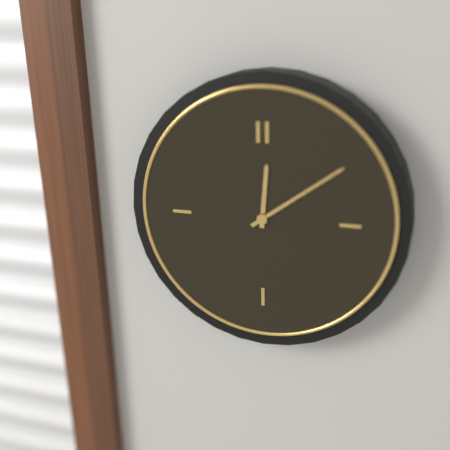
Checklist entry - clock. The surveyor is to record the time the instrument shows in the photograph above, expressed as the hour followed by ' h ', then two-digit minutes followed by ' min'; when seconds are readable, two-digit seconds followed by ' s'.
12 h 09 min
